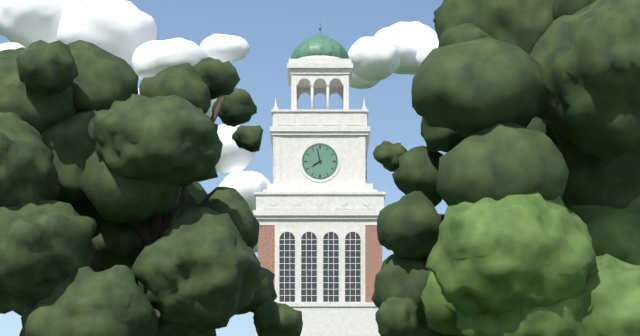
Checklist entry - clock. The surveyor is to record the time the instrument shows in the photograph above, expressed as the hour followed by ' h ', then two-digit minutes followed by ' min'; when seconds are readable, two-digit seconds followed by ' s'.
7 h 58 min
